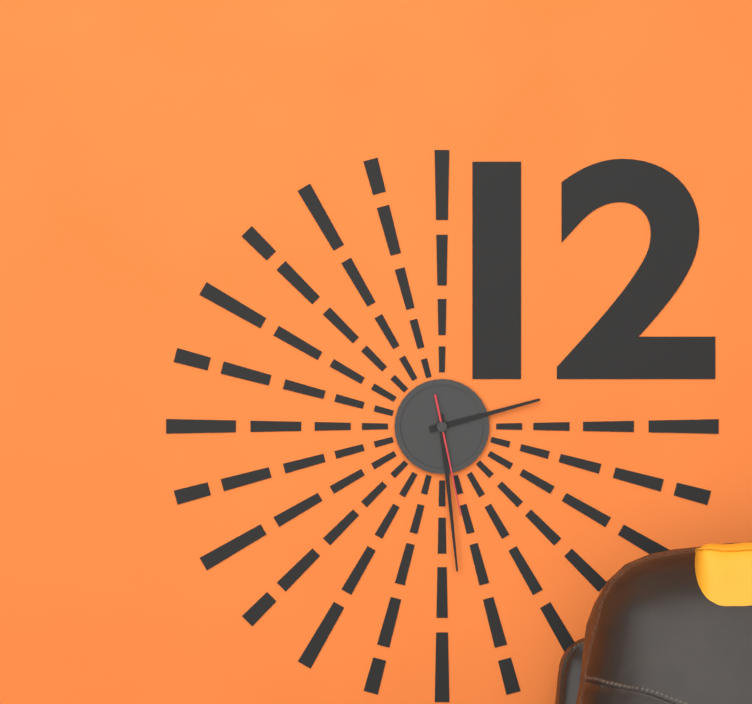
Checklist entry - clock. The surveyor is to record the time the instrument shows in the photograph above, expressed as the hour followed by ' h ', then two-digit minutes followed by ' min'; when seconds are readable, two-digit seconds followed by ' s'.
2 h 29 min 28 s
